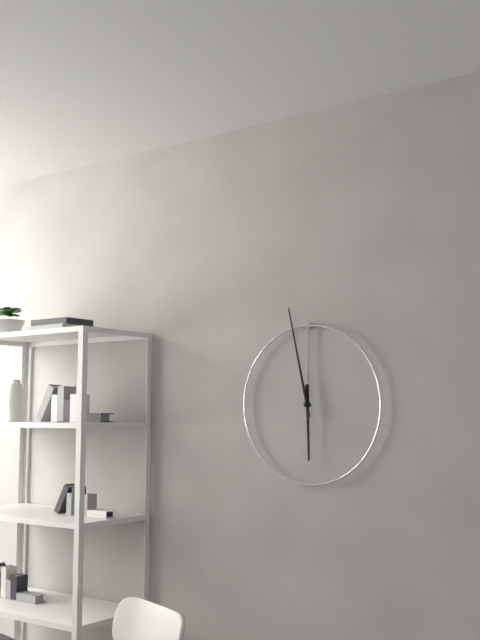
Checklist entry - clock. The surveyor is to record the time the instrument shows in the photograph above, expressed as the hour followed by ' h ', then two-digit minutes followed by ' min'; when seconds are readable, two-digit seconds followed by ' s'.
5 h 58 min
